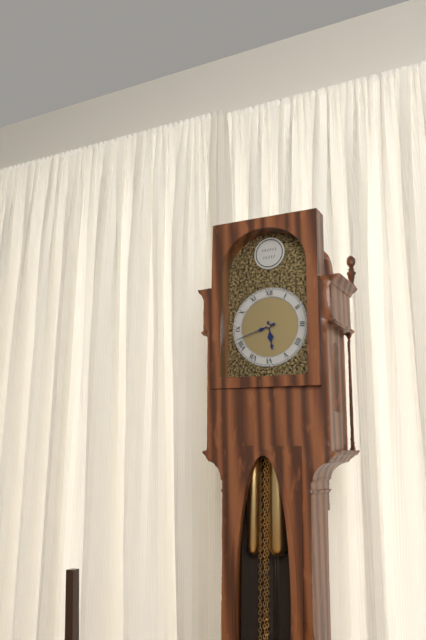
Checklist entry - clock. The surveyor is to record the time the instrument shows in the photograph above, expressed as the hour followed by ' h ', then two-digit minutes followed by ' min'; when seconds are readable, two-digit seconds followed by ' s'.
5 h 42 min
